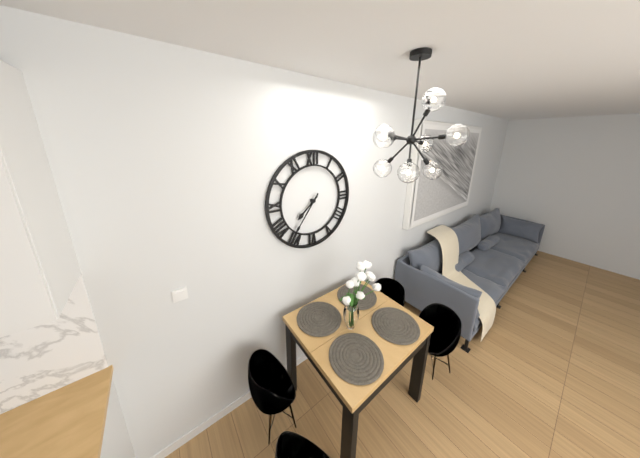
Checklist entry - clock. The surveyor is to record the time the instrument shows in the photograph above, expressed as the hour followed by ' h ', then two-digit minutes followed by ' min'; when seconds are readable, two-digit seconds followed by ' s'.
7 h 36 min
